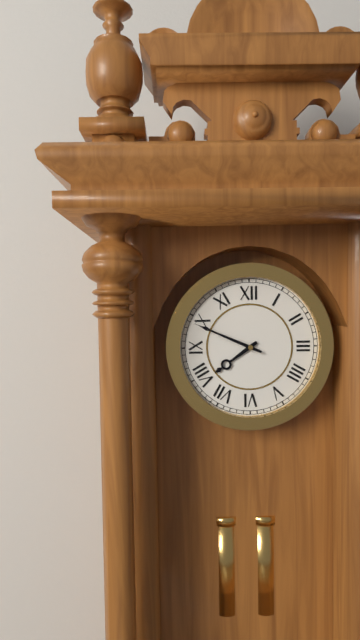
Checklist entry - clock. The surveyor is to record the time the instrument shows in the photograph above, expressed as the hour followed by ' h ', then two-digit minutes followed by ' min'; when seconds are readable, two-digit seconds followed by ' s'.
7 h 49 min
